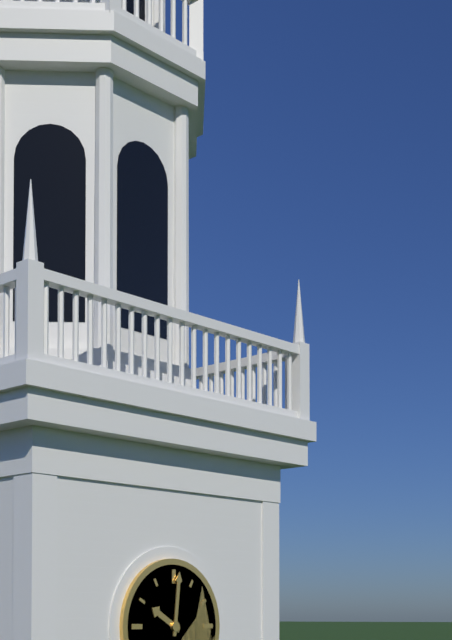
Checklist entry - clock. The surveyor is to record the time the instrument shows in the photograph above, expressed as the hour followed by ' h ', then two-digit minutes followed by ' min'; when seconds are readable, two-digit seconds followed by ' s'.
10 h 01 min
